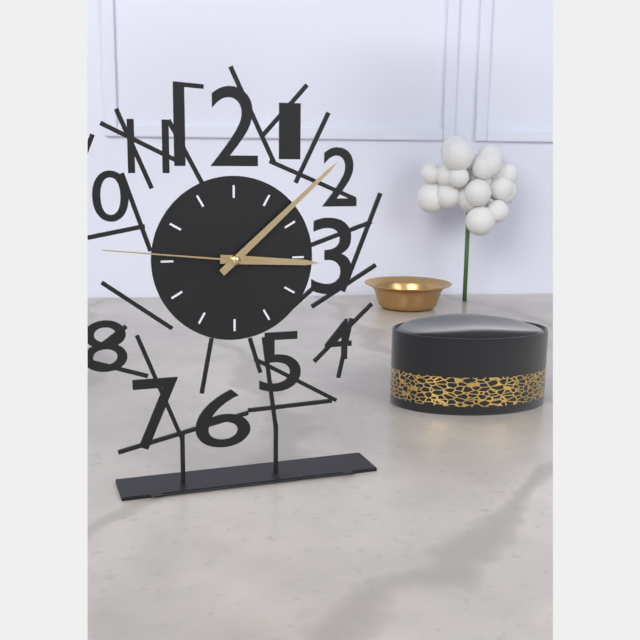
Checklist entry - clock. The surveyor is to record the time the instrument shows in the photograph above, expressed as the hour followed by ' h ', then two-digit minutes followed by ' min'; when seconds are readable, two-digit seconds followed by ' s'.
3 h 08 min 46 s
